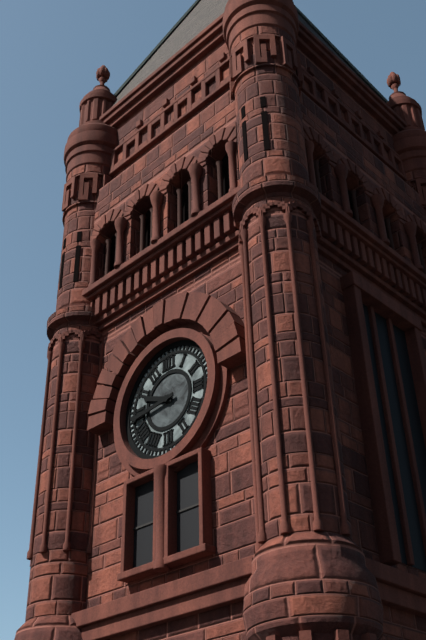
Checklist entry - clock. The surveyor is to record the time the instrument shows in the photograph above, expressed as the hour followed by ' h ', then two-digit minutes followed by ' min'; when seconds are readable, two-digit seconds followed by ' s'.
9 h 44 min
